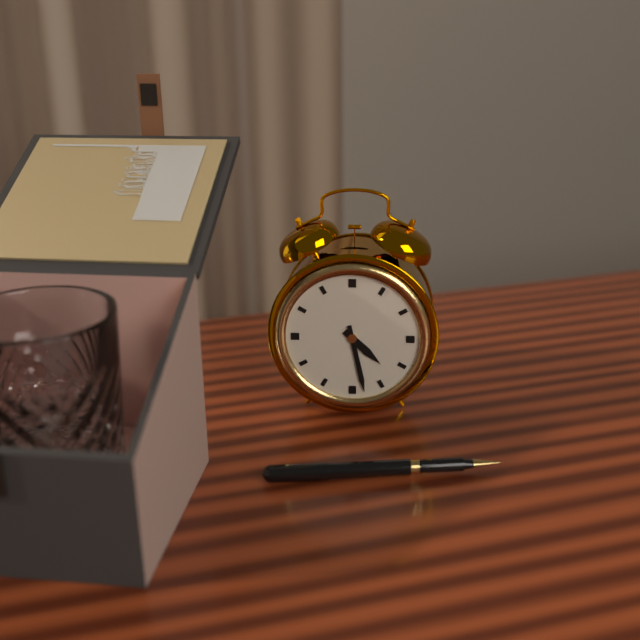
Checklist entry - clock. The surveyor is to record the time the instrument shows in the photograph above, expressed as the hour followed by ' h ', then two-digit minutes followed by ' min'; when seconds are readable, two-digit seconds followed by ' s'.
4 h 28 min
